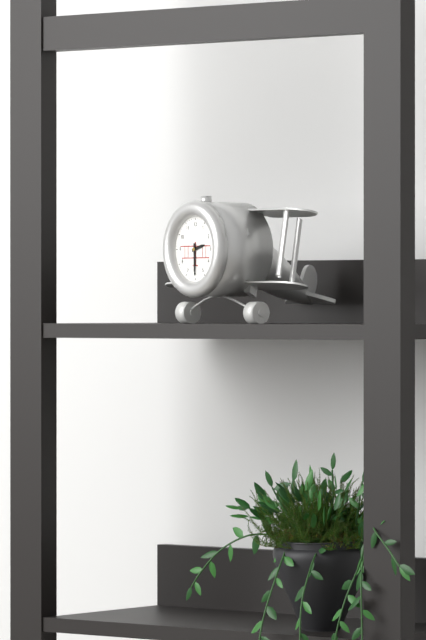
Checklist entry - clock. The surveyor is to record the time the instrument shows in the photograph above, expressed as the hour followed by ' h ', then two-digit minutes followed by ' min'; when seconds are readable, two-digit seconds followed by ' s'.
2 h 30 min
